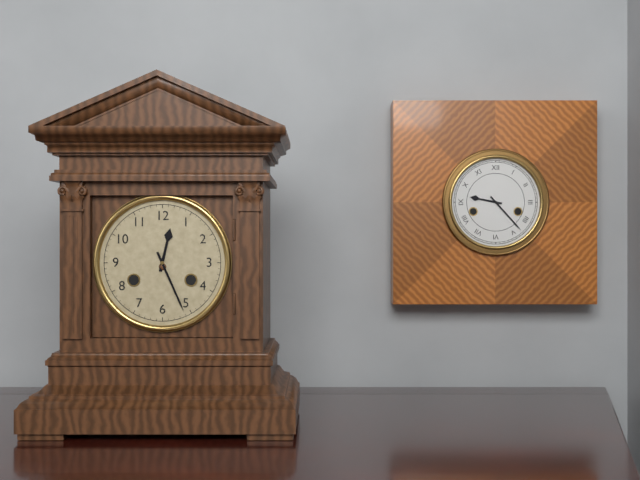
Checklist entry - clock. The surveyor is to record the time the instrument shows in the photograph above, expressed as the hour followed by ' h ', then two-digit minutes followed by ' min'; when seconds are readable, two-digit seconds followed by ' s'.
12 h 26 min
